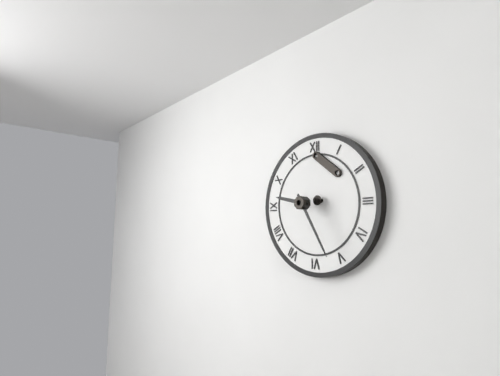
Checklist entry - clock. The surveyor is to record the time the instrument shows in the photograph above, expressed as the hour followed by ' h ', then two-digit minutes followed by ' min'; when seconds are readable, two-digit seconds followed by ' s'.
9 h 25 min
